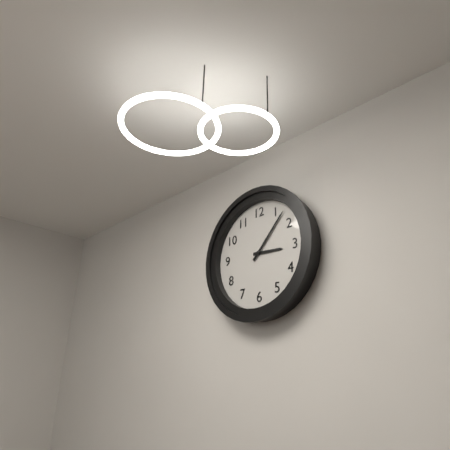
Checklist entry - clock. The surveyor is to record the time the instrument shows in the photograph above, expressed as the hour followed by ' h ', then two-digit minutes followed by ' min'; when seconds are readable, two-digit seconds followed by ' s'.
3 h 07 min
